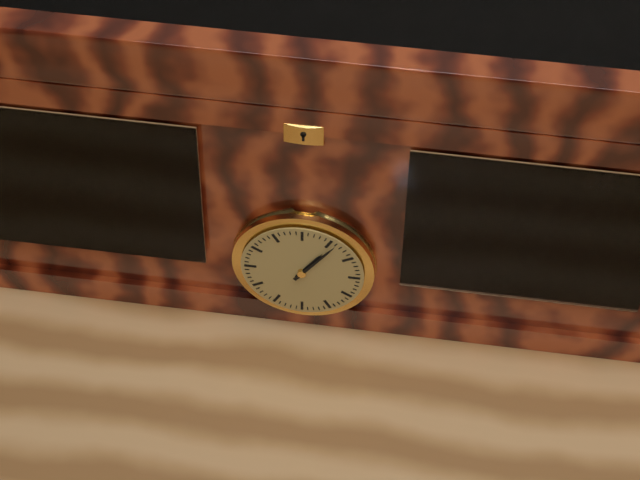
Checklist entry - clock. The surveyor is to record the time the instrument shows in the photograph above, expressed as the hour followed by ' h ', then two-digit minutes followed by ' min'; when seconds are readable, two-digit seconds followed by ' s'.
1 h 06 min
